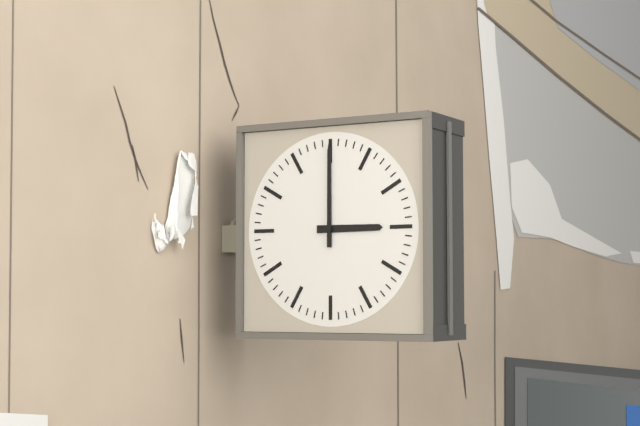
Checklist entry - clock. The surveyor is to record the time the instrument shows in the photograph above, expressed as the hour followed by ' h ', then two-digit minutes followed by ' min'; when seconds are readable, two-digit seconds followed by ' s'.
3 h 00 min
